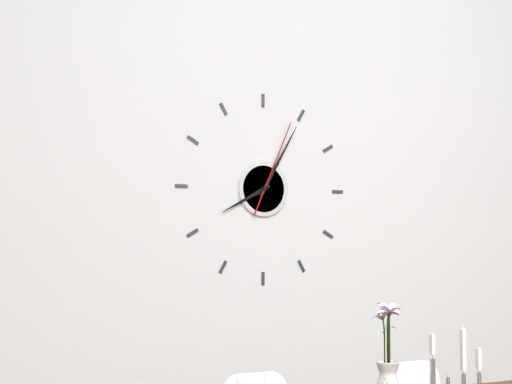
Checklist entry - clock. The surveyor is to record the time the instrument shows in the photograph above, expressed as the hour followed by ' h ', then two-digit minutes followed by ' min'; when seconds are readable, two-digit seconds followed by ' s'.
8 h 05 min 04 s
